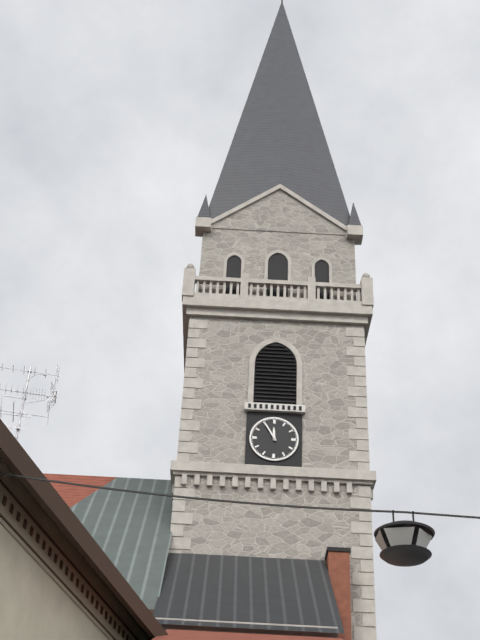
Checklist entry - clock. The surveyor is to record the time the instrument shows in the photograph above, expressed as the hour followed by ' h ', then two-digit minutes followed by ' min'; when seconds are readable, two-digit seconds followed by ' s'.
11 h 55 min
